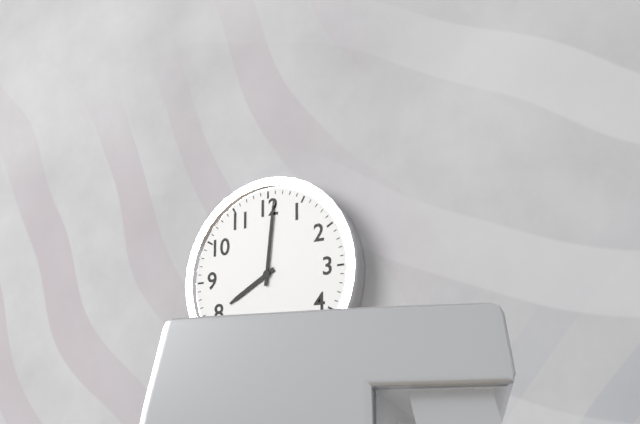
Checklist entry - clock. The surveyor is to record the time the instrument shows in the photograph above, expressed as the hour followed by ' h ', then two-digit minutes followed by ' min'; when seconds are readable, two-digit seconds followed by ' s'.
8 h 01 min
